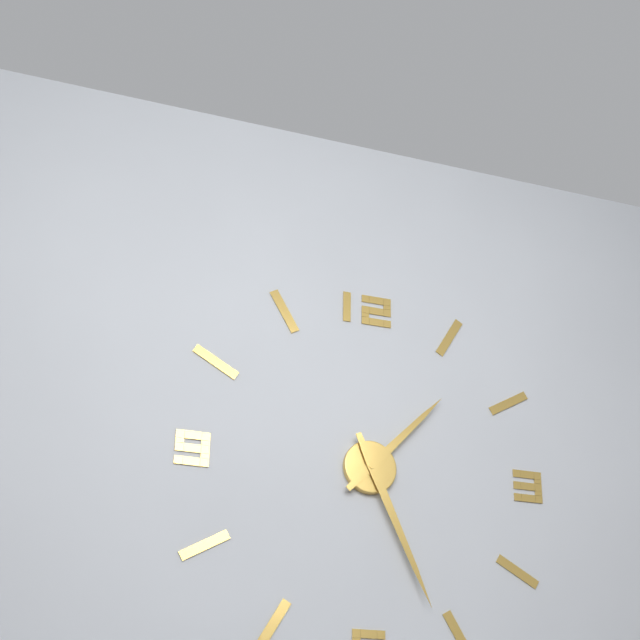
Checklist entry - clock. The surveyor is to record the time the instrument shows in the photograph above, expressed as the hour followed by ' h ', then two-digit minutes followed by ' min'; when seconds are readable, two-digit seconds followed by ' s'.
1 h 26 min
